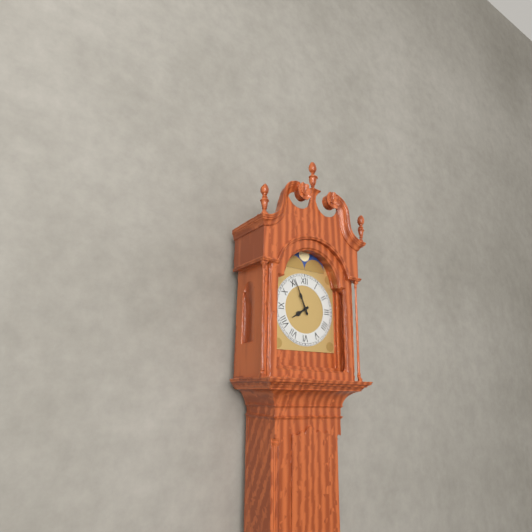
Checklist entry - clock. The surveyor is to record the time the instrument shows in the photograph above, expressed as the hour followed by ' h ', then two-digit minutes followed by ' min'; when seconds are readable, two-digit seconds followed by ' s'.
7 h 56 min
